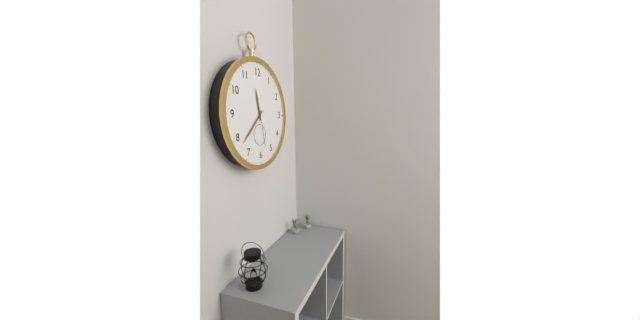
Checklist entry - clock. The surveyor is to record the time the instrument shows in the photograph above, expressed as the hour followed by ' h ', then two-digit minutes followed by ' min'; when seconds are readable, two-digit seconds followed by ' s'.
11 h 38 min
